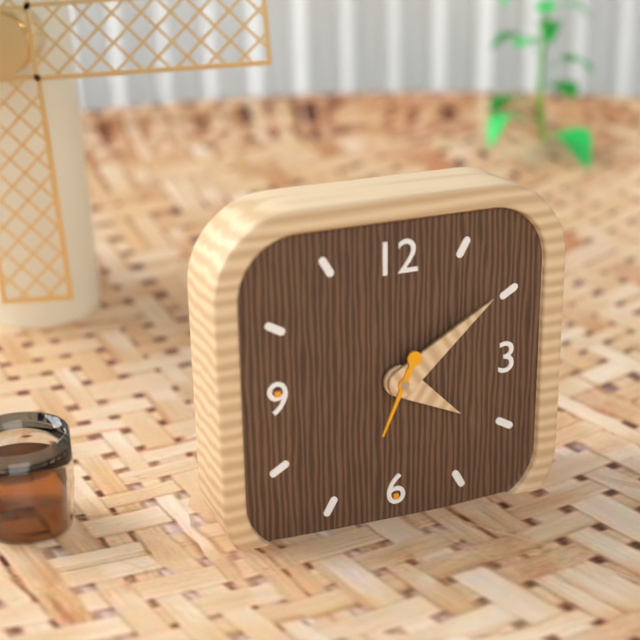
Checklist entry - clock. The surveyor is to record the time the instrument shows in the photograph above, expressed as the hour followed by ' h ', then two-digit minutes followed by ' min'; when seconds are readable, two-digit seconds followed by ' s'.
4 h 09 min 34 s
